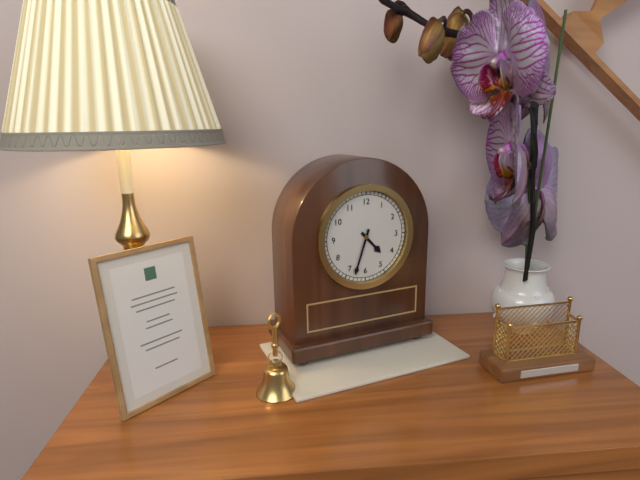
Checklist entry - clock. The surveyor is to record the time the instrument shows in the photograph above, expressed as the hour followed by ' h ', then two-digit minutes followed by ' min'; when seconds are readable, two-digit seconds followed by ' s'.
4 h 33 min
